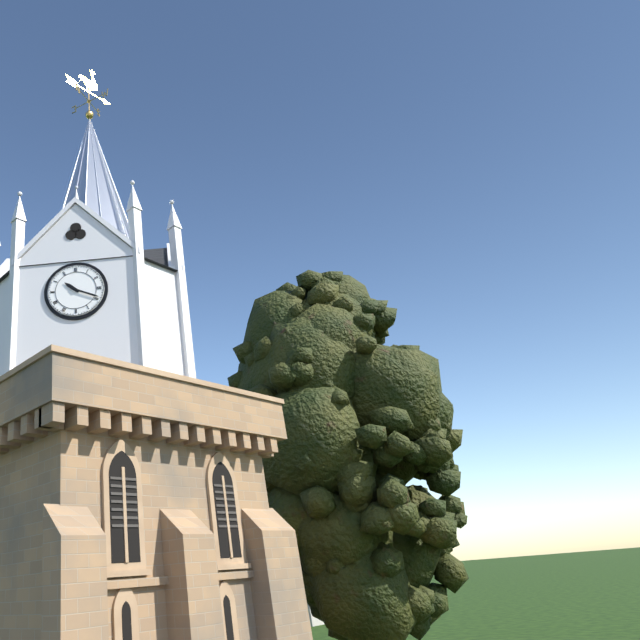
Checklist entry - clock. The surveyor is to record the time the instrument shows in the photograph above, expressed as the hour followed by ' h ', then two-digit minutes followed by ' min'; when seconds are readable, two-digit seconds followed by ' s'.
10 h 19 min
